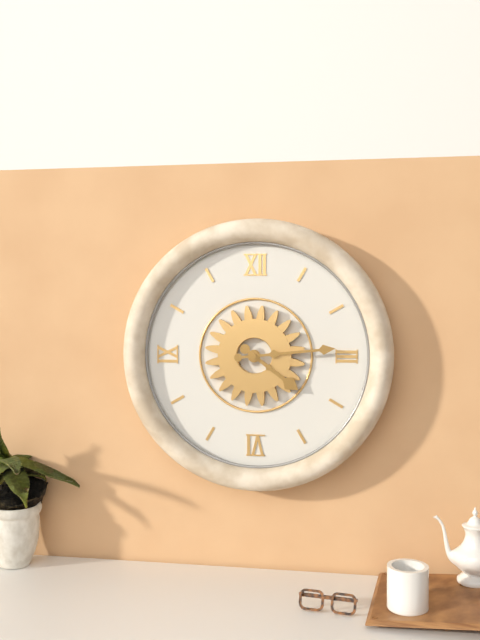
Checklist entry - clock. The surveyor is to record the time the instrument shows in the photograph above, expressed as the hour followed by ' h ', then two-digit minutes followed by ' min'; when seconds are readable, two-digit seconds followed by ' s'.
4 h 14 min
